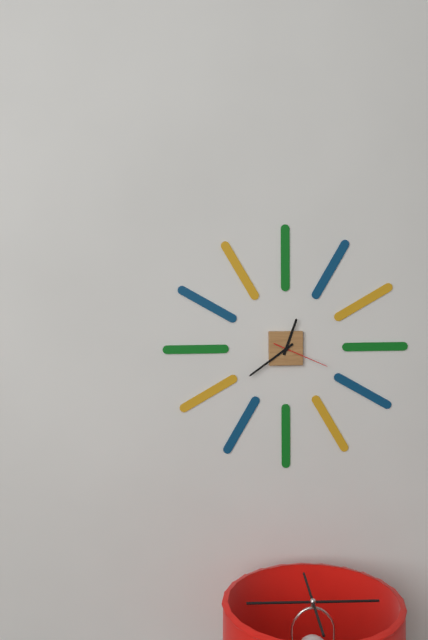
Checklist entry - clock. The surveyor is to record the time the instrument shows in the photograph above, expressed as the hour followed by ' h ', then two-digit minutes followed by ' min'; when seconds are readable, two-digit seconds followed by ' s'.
12 h 39 min 19 s
